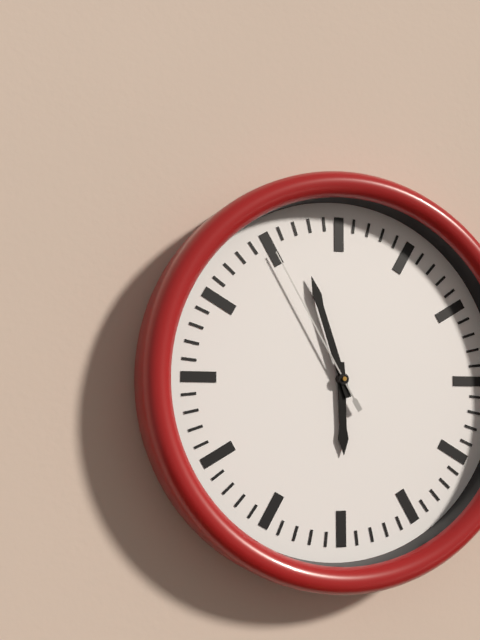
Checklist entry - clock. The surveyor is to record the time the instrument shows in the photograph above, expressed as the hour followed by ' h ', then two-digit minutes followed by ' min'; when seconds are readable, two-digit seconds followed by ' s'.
5 h 57 min 55 s
